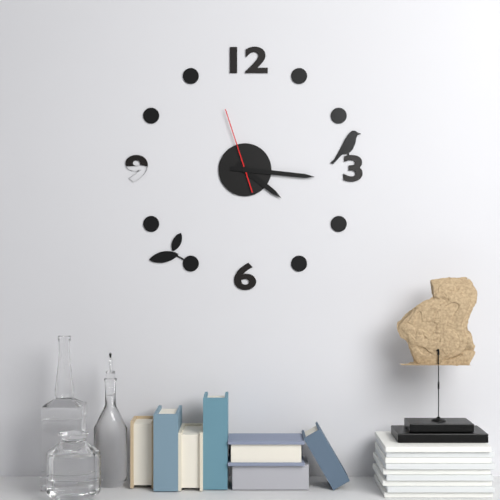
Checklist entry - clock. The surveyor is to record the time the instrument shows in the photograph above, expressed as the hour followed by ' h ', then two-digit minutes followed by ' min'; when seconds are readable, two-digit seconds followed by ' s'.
4 h 16 min 57 s
